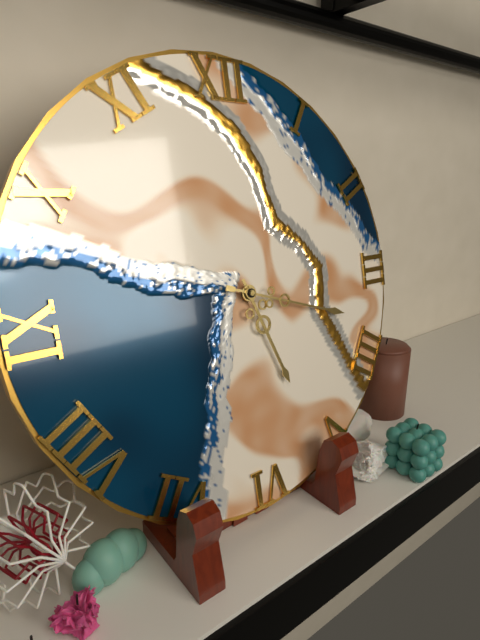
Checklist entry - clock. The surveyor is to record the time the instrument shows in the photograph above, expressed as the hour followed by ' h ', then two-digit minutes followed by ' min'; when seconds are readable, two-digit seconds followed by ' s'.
5 h 18 min
